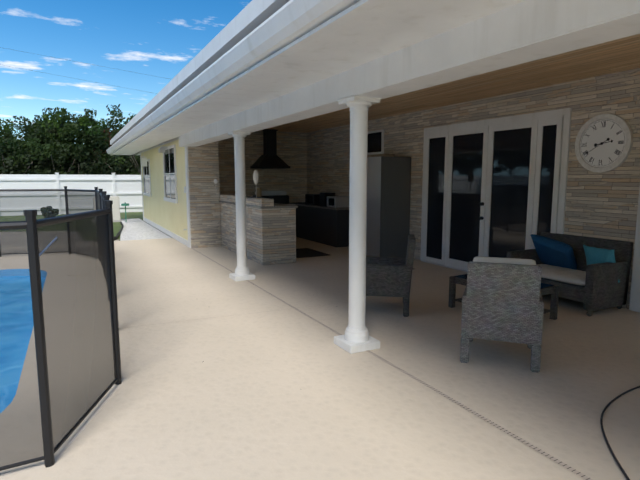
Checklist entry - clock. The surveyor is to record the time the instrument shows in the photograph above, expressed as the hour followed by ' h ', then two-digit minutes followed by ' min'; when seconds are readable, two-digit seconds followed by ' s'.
2 h 40 min
